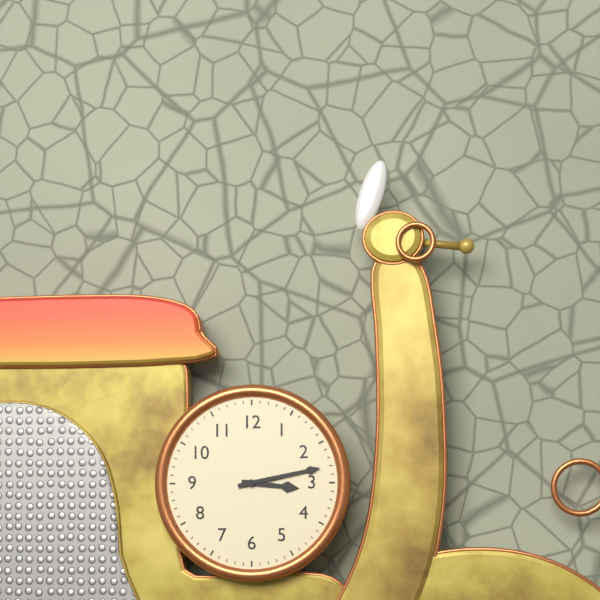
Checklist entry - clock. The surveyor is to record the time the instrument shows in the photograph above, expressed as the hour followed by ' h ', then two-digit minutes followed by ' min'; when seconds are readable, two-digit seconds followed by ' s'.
3 h 13 min
